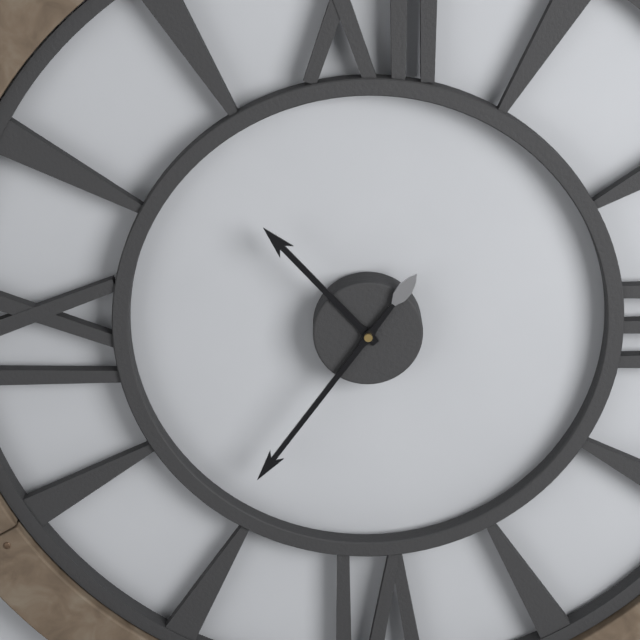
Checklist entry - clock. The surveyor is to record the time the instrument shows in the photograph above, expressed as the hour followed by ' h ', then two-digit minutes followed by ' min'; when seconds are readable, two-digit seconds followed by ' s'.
10 h 36 min
